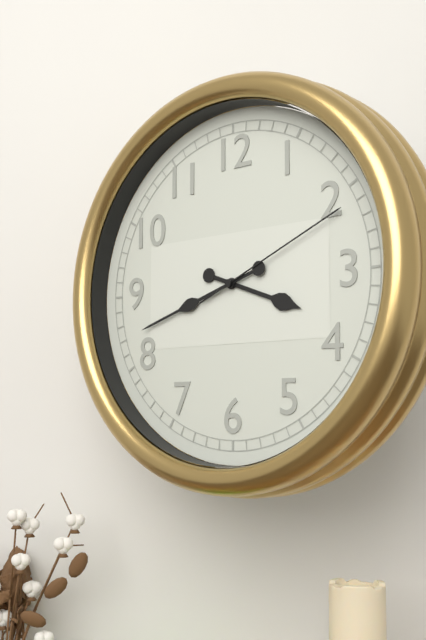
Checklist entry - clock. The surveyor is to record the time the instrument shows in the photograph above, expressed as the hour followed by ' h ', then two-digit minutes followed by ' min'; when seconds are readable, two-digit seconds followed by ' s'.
3 h 42 min 11 s
